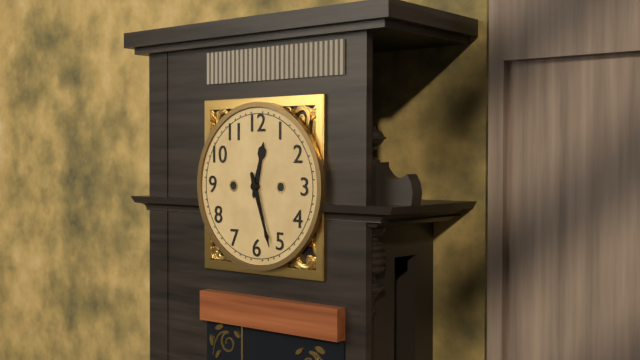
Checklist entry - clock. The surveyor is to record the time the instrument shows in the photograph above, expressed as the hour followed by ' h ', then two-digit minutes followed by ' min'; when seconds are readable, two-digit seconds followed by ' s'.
12 h 27 min
